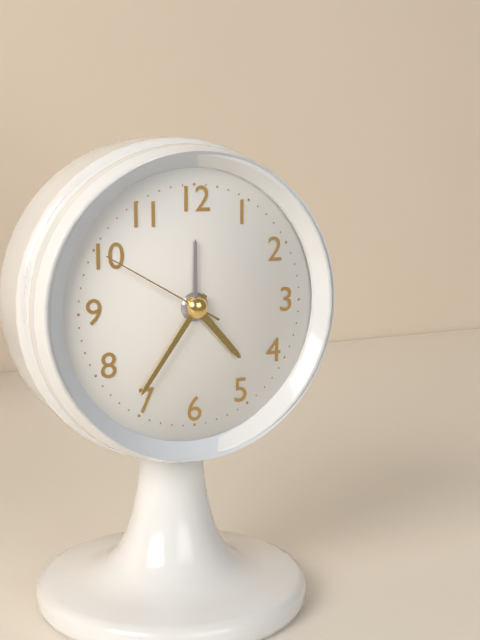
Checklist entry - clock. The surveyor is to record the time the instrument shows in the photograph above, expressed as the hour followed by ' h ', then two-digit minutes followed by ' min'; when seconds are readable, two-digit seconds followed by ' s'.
4 h 36 min 50 s
